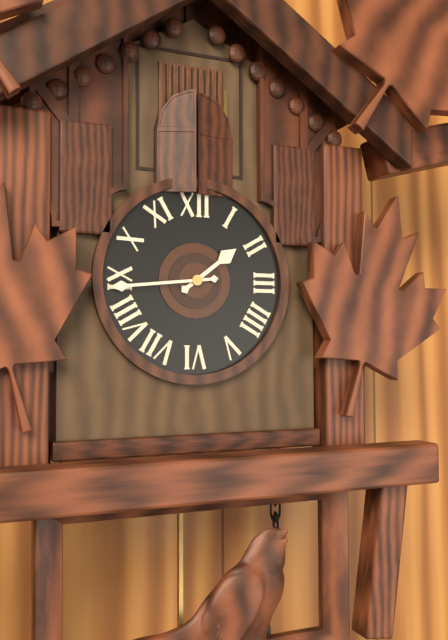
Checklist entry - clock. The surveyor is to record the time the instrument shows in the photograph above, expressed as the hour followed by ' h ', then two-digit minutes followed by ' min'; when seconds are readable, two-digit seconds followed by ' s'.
1 h 44 min
